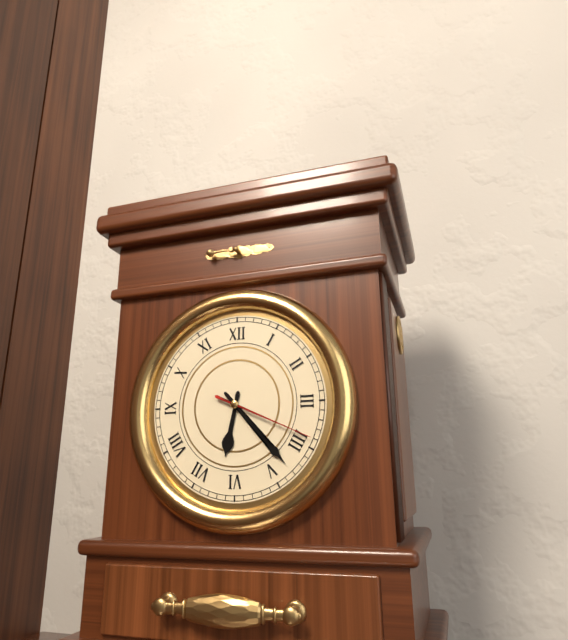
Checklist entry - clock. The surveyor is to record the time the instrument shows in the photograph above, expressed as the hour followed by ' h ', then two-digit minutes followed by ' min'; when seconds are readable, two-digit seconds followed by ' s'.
6 h 23 min 19 s
